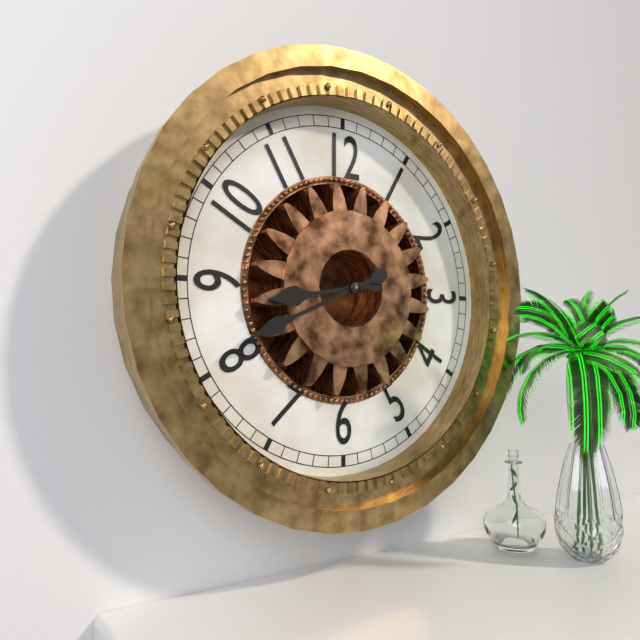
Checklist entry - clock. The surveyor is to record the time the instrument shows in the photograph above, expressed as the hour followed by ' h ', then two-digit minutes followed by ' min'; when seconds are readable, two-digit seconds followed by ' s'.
8 h 41 min
